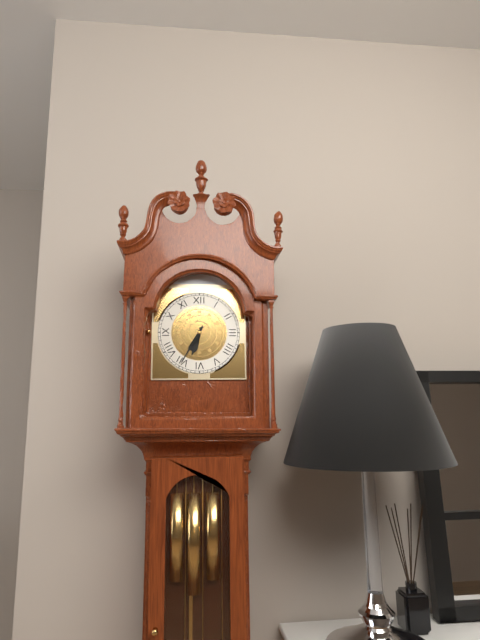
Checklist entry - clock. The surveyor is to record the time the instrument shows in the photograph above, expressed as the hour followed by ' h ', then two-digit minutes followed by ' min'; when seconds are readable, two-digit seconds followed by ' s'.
6 h 35 min
